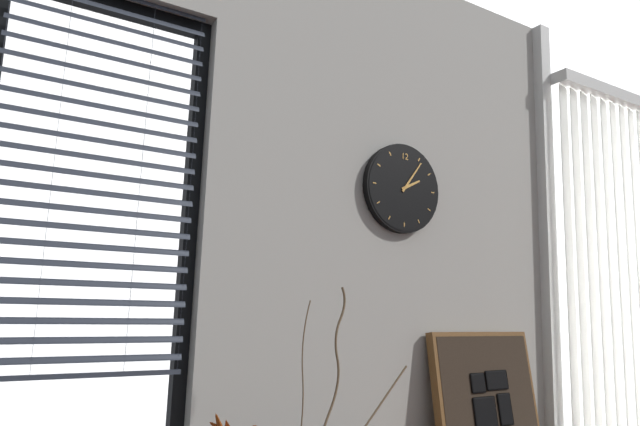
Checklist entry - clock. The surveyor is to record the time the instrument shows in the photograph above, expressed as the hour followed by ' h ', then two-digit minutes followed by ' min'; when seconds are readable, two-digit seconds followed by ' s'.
2 h 06 min
